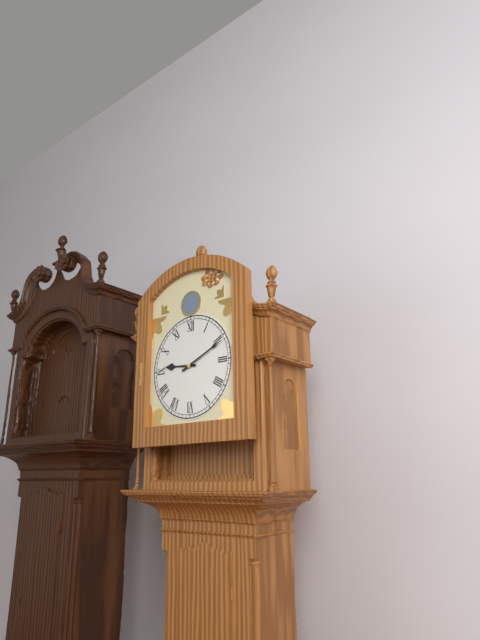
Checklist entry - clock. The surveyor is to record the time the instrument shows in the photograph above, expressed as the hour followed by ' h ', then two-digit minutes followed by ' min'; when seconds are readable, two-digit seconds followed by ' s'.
9 h 11 min
